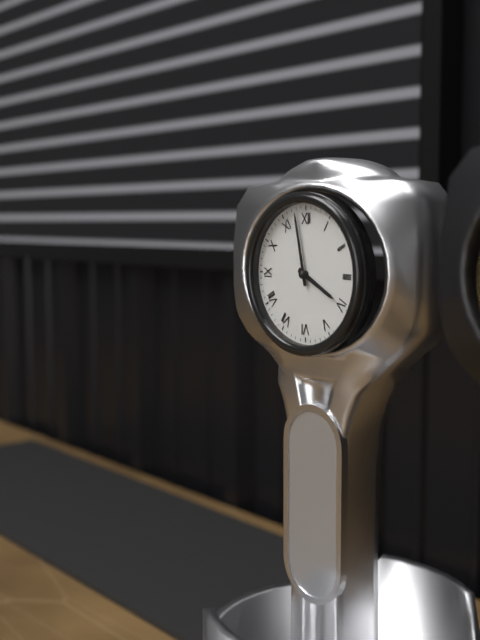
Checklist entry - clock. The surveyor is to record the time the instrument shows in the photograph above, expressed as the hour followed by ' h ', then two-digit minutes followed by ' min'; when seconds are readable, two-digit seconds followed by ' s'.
3 h 58 min
